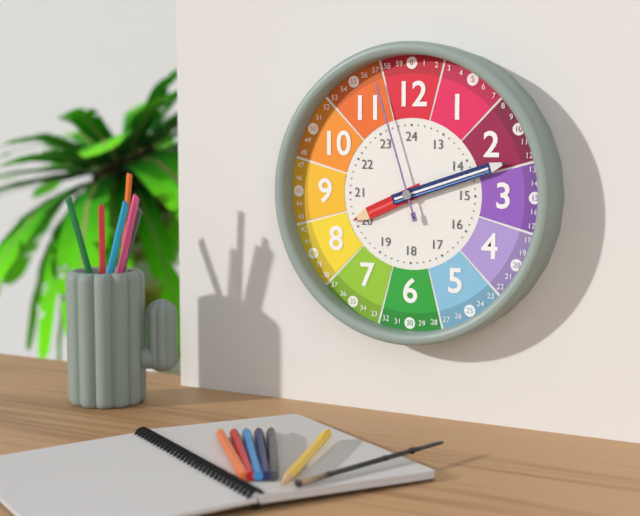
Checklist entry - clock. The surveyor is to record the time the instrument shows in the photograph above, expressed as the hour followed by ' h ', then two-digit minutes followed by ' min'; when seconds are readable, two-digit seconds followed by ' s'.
8 h 12 min 57 s
